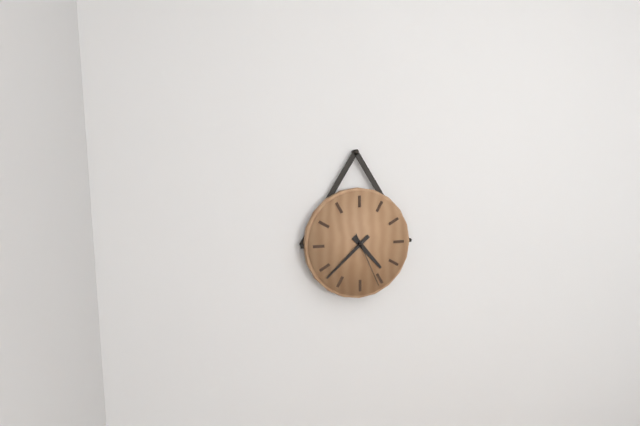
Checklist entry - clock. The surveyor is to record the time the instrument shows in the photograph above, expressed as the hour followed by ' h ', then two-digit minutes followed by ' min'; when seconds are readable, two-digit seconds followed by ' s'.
4 h 38 min 26 s
